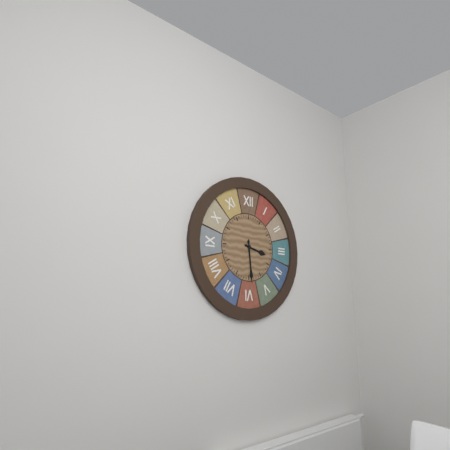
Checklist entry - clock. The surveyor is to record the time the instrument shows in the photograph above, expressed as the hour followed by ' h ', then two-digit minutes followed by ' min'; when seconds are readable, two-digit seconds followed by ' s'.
3 h 29 min
